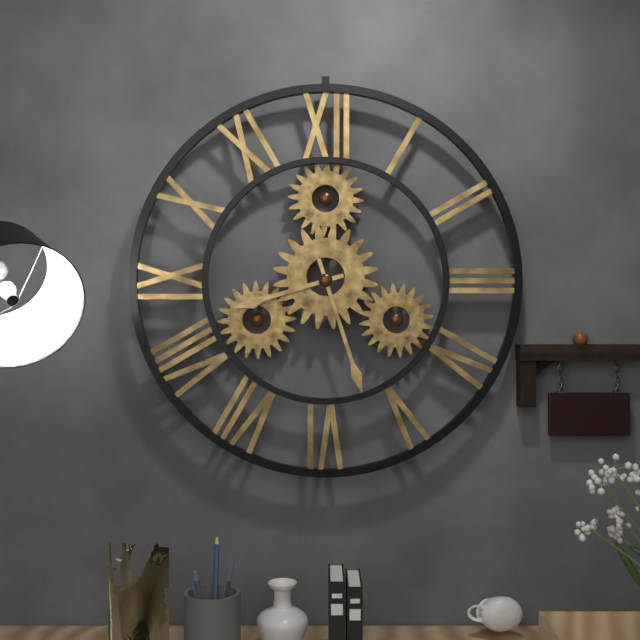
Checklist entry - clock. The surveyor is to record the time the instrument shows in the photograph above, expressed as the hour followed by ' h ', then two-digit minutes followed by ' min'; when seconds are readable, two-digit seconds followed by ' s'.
8 h 27 min
